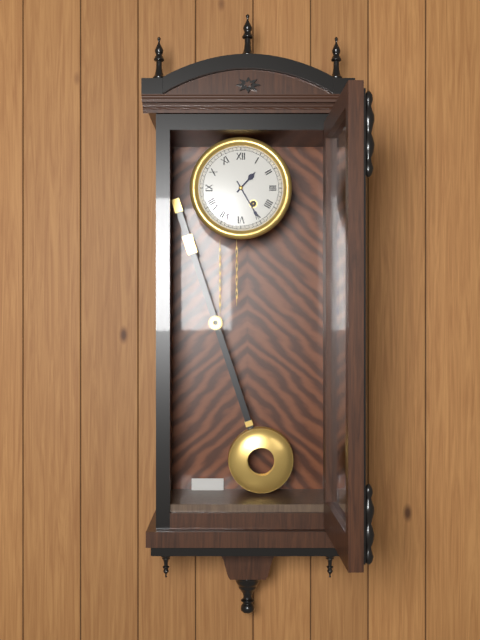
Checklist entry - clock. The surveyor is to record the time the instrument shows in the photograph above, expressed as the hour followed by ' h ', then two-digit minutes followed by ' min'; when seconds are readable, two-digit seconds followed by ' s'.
1 h 25 min
